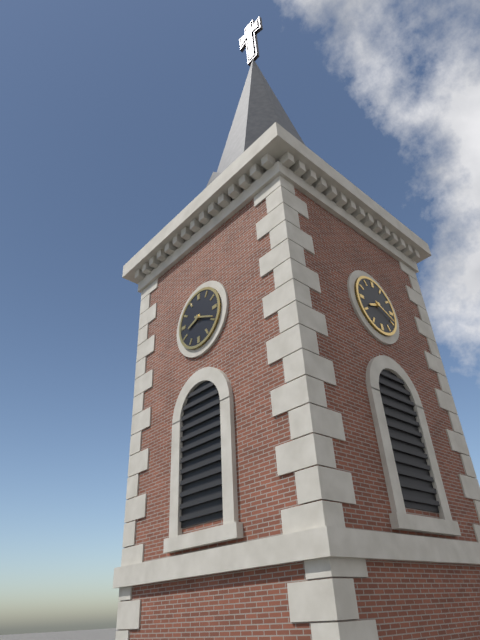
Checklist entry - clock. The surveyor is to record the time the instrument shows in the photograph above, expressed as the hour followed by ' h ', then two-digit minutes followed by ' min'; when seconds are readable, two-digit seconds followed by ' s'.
8 h 19 min
